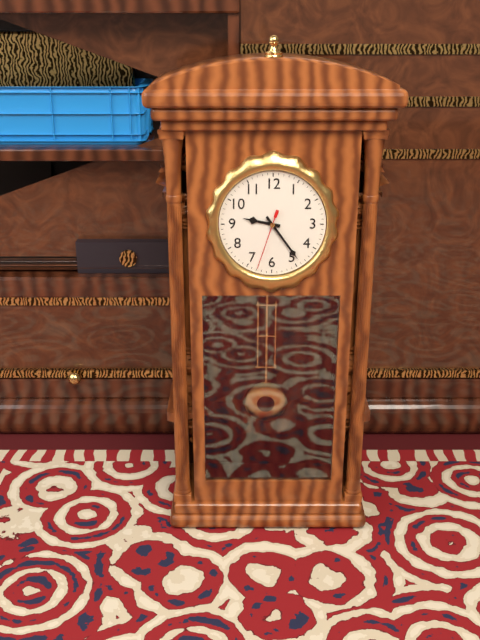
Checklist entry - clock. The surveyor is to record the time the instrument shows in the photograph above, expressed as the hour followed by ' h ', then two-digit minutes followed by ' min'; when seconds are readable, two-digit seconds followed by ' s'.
9 h 24 min 33 s
